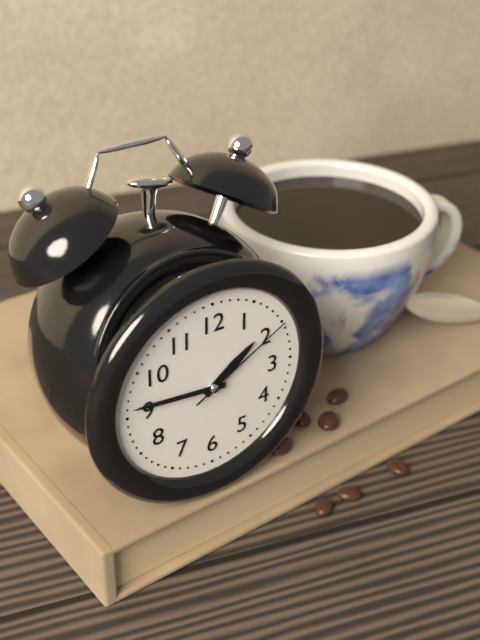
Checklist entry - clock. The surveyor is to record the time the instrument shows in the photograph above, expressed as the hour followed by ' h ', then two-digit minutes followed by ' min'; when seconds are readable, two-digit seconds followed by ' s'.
1 h 46 min 10 s
